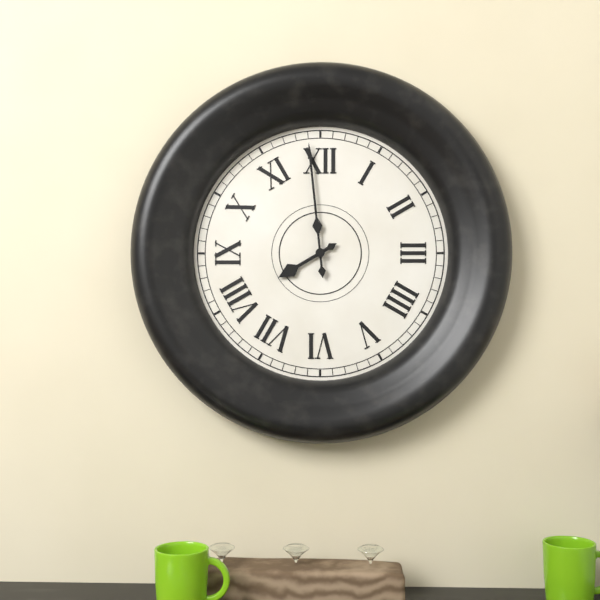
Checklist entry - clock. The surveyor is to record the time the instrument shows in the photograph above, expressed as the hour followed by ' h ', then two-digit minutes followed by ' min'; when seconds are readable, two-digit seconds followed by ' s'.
7 h 59 min
